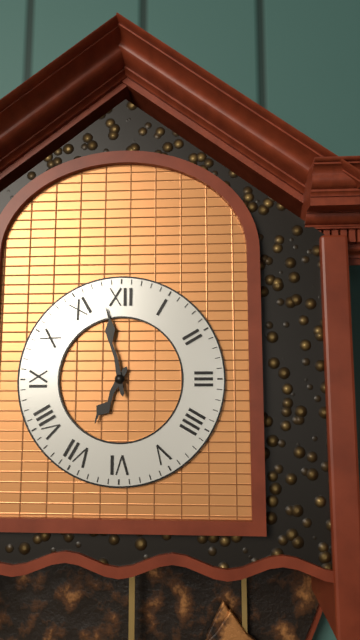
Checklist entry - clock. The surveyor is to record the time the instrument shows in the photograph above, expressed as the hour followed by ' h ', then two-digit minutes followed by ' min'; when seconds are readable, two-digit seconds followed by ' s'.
6 h 58 min
